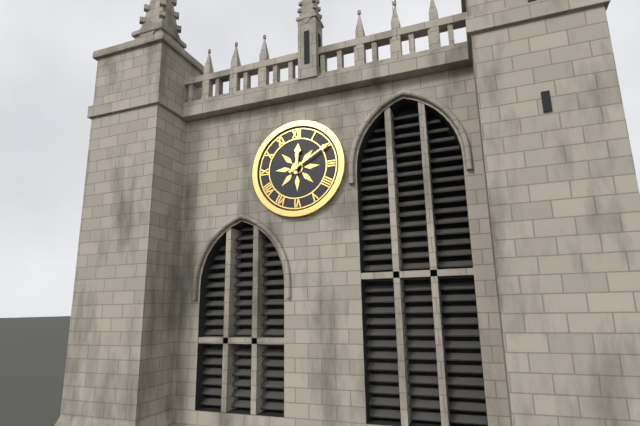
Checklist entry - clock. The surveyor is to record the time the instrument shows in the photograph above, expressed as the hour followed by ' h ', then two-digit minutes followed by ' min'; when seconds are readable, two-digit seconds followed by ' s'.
12 h 10 min
